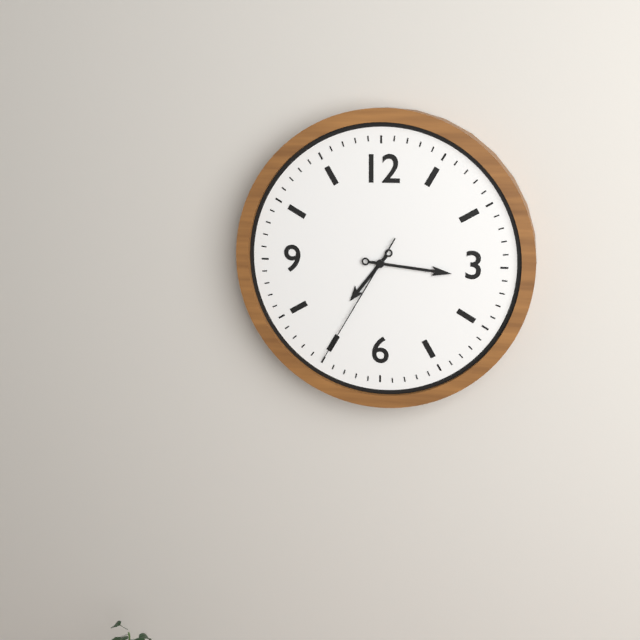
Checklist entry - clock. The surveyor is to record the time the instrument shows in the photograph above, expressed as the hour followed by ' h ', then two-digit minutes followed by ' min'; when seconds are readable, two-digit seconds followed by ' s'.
7 h 16 min 35 s
